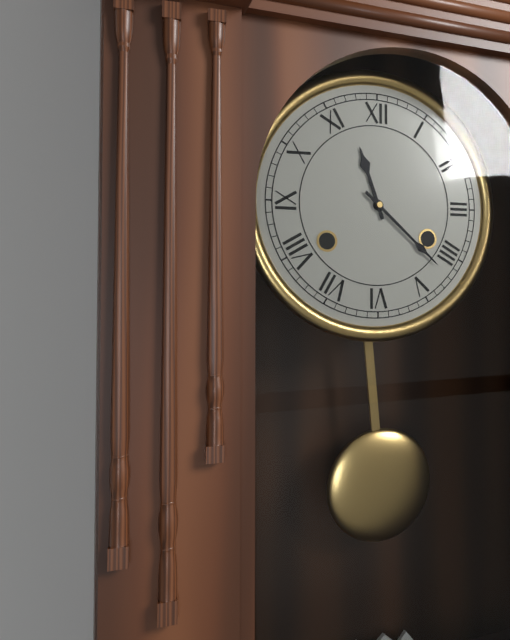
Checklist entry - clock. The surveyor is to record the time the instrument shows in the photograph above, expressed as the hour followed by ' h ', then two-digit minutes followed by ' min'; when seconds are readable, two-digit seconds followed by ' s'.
11 h 22 min
